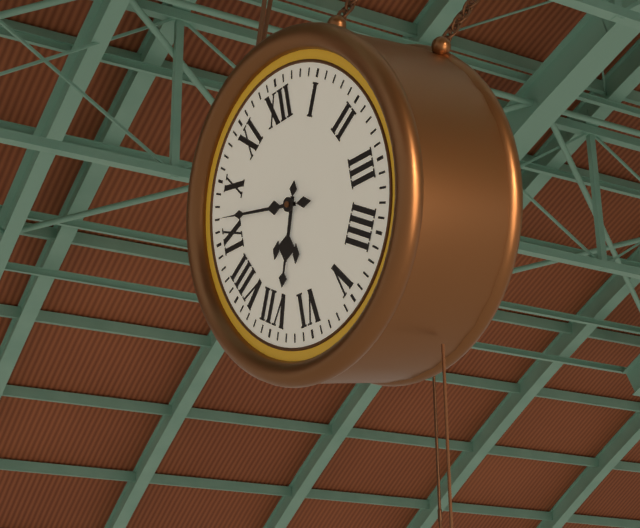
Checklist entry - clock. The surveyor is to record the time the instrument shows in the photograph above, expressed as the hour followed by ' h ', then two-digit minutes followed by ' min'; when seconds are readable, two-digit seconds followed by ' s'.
6 h 47 min
